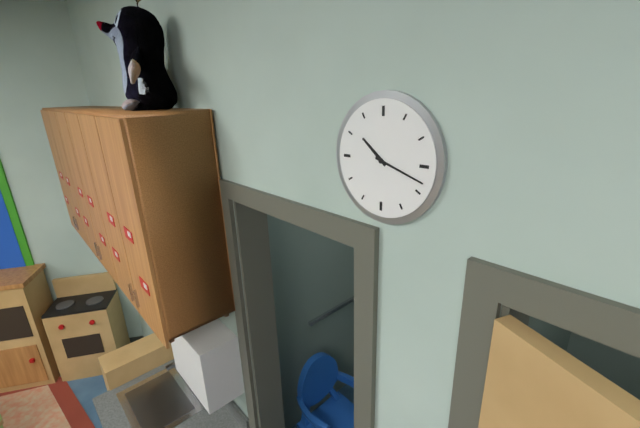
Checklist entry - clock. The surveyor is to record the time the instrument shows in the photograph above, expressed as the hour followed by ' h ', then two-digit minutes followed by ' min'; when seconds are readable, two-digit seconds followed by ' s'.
10 h 18 min
